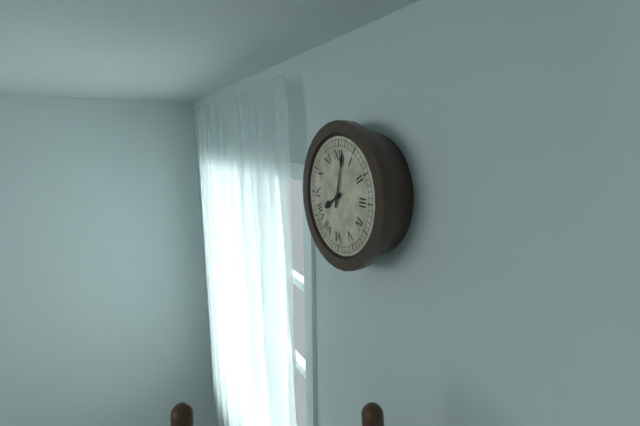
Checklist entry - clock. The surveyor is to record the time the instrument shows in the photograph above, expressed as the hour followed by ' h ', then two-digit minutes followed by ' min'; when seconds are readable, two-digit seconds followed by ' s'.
8 h 02 min
